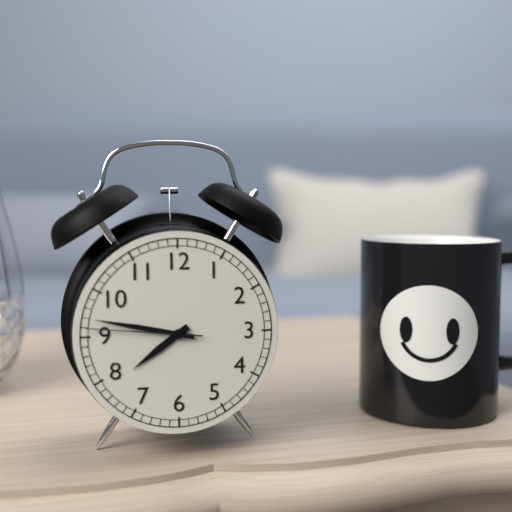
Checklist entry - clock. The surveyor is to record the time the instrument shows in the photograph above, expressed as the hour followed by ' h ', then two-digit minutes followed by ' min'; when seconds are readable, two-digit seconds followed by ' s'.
7 h 47 min 46 s
